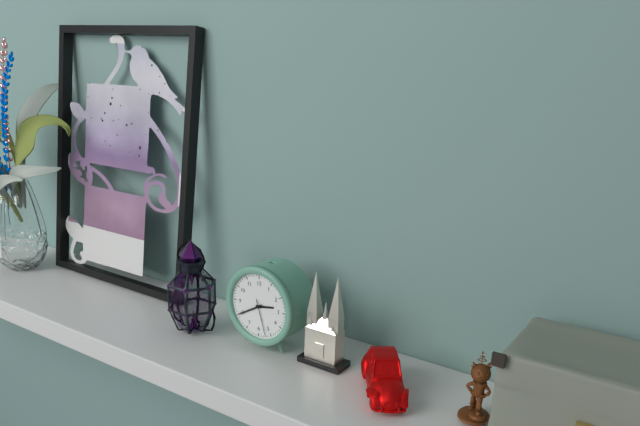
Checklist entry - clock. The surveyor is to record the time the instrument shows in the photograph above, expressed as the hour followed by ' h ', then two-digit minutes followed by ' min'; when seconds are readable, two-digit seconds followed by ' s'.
2 h 40 min
